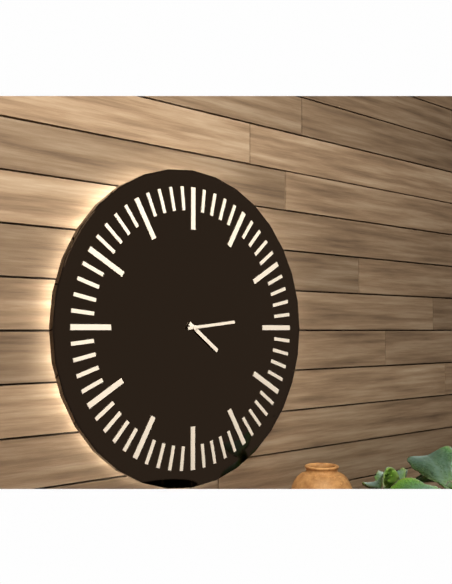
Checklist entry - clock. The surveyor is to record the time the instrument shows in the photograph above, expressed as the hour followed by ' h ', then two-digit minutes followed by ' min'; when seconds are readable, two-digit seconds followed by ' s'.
4 h 14 min
